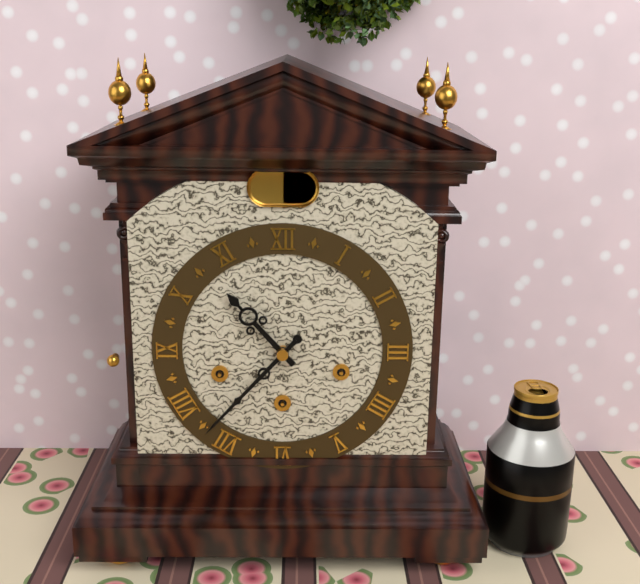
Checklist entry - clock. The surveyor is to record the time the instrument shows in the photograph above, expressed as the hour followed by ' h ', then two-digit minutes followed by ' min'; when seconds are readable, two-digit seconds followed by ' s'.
10 h 37 min
